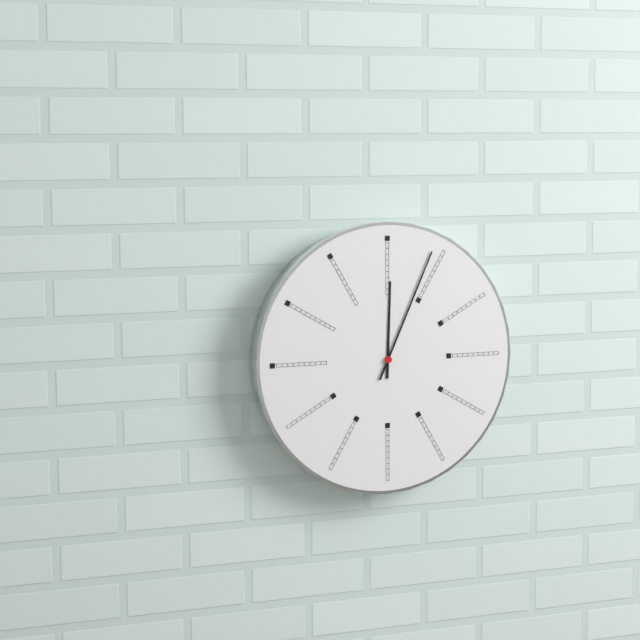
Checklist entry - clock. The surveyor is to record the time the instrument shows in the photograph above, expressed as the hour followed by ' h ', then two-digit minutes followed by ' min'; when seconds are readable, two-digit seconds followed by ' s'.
12 h 04 min
